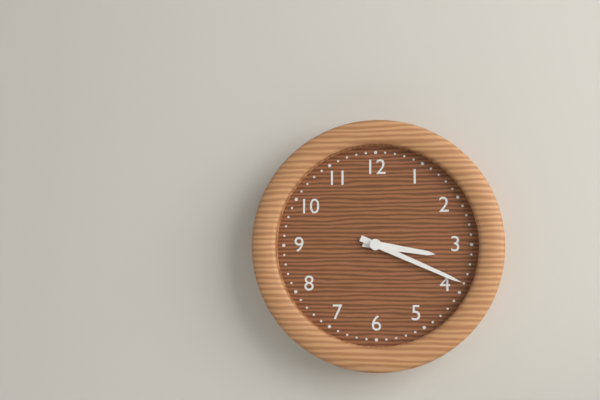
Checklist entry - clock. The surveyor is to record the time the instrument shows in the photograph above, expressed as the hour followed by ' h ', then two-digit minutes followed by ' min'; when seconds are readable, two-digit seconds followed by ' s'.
3 h 19 min
